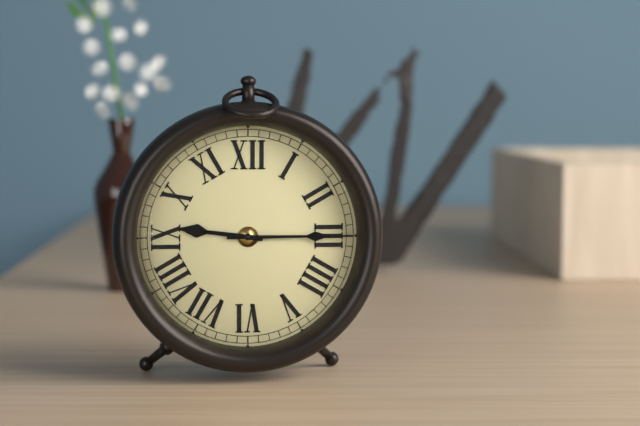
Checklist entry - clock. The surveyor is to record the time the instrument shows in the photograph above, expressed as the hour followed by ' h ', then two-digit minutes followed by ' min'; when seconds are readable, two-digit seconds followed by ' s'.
9 h 15 min
